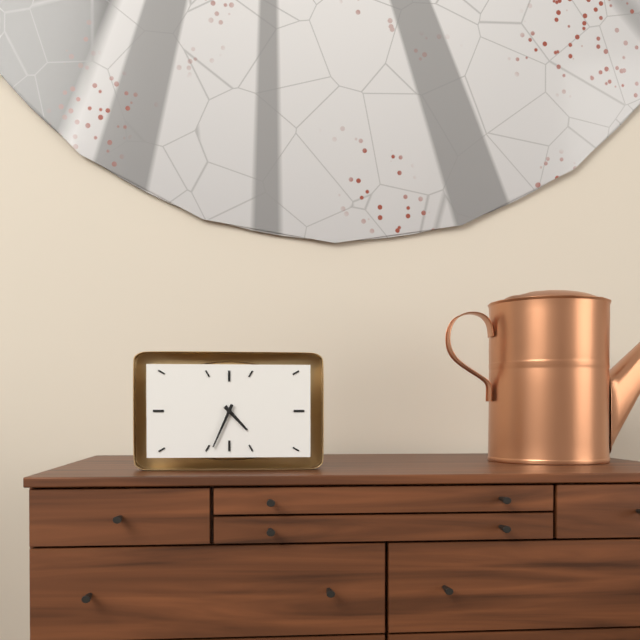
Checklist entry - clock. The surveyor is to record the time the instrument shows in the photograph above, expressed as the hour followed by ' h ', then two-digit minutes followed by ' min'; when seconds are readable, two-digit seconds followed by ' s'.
4 h 34 min
